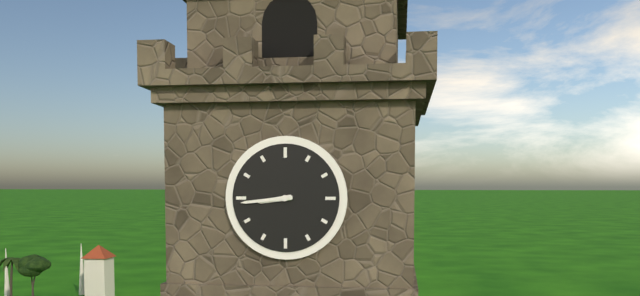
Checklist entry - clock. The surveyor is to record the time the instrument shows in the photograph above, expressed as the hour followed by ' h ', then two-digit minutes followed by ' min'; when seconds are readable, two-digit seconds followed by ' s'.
8 h 44 min
